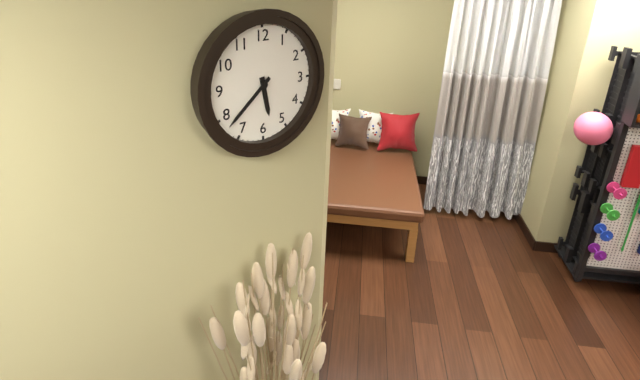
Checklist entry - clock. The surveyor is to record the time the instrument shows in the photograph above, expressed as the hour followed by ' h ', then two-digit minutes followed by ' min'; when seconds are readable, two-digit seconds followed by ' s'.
5 h 38 min
